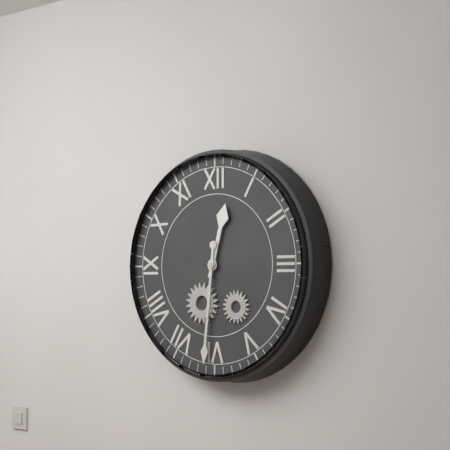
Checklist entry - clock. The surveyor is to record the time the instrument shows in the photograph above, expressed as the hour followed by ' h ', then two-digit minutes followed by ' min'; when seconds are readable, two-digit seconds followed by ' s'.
12 h 31 min
